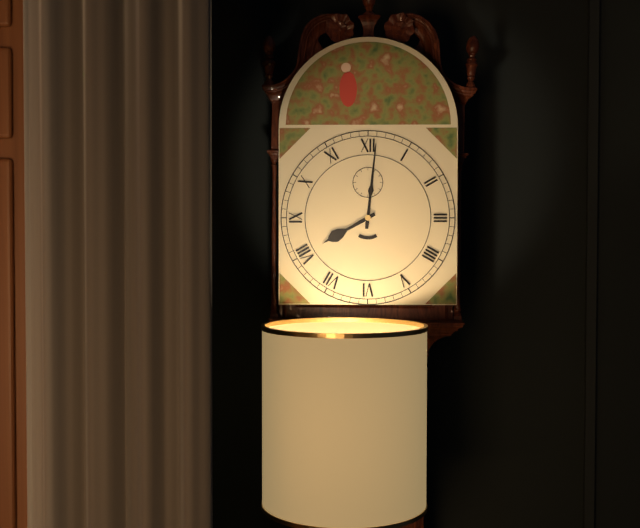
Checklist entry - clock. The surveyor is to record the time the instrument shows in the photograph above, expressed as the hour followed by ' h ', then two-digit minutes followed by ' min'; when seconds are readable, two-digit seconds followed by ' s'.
8 h 01 min
